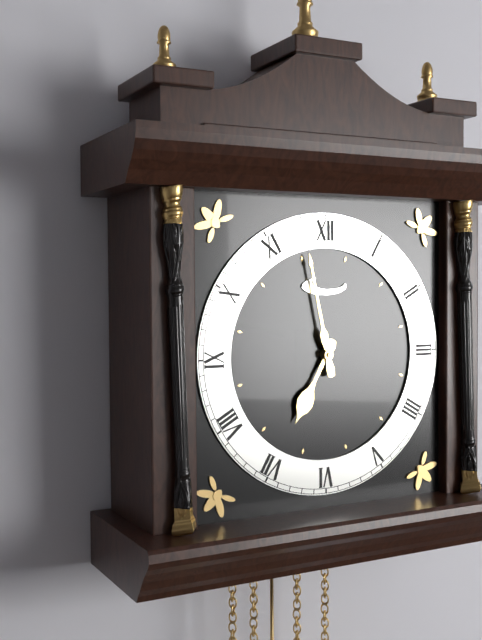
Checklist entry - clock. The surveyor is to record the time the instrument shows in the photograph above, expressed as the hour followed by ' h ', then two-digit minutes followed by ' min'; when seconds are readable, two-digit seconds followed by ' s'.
6 h 58 min
